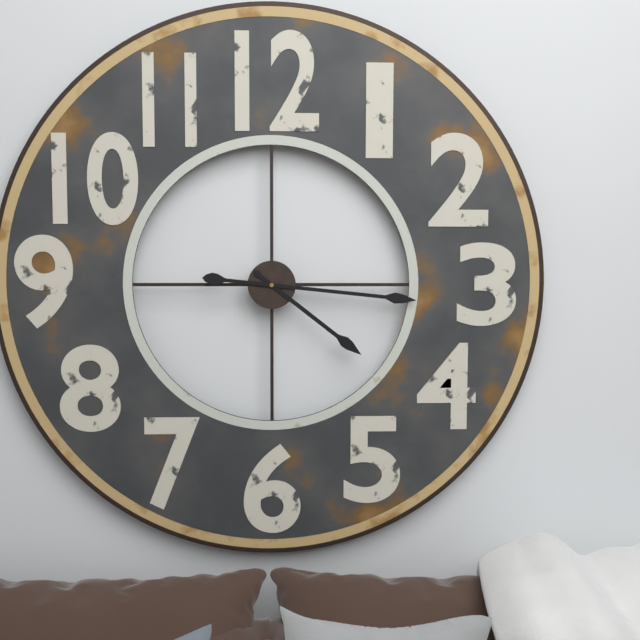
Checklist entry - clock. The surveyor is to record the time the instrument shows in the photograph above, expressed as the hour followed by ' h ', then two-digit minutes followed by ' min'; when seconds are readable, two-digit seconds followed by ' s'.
4 h 16 min
